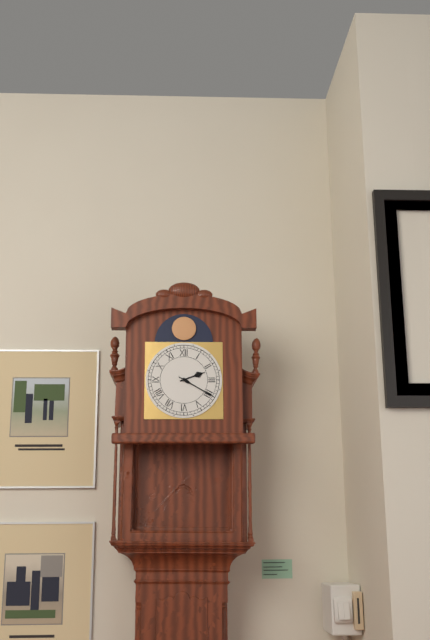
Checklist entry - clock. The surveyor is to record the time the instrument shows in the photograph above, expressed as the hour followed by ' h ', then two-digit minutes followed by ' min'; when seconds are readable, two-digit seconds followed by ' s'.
2 h 20 min
